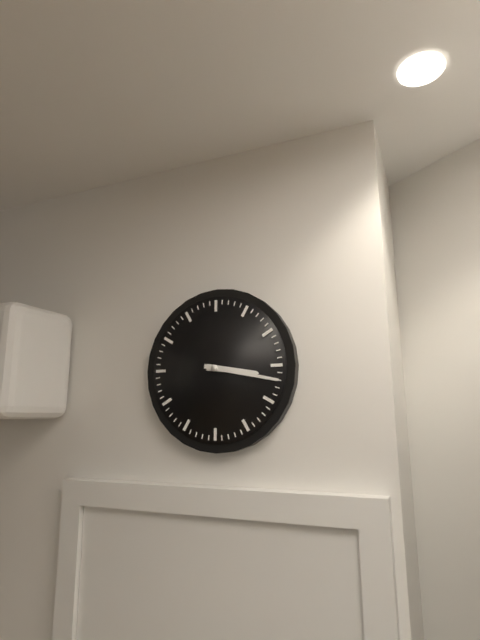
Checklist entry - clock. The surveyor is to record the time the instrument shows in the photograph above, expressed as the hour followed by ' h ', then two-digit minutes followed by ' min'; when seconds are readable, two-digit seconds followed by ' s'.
3 h 17 min
